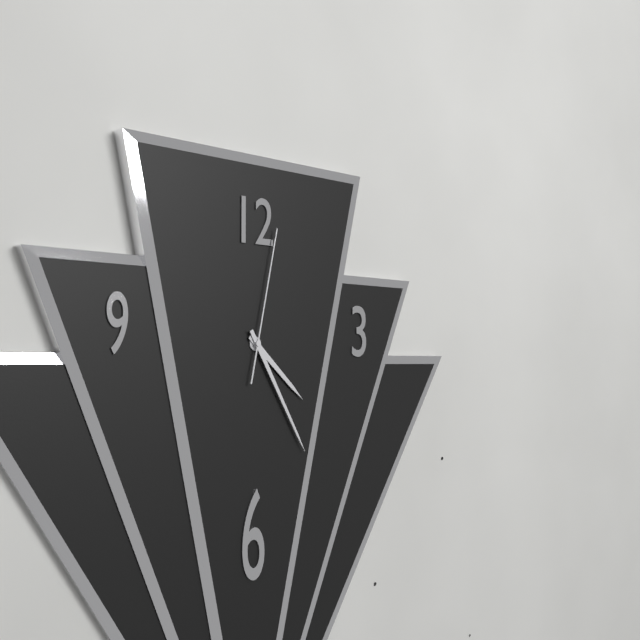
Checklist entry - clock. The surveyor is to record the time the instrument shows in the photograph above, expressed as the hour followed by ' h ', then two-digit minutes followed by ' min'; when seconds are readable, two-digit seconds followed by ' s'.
4 h 25 min 02 s
